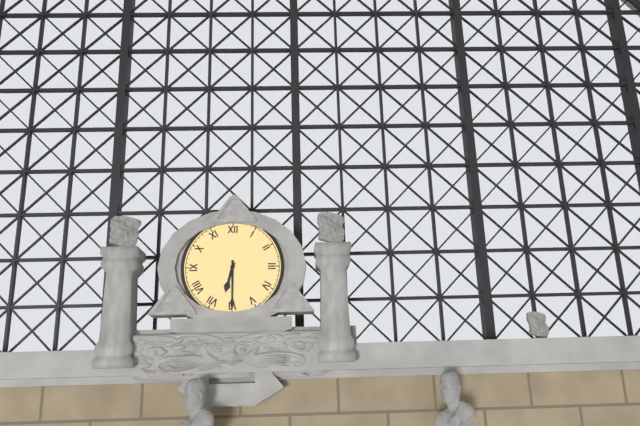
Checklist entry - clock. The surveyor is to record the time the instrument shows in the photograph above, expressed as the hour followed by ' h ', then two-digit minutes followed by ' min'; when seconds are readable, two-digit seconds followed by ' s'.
6 h 30 min
